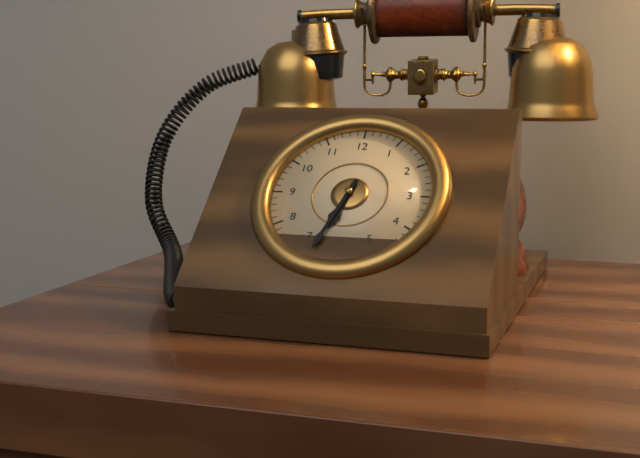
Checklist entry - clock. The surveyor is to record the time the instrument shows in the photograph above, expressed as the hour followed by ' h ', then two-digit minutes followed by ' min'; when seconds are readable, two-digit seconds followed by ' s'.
6 h 33 min
